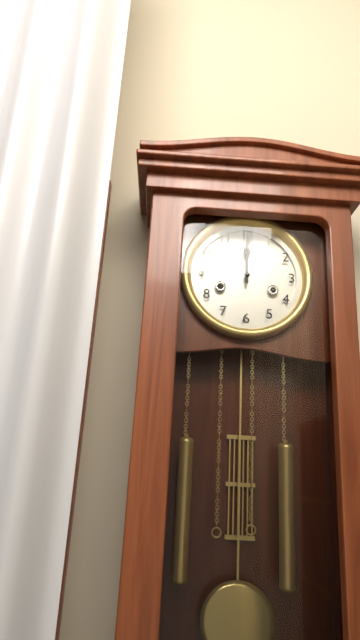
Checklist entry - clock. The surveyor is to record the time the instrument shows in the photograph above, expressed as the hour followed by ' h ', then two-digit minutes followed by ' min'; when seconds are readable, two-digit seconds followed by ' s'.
12 h 00 min
